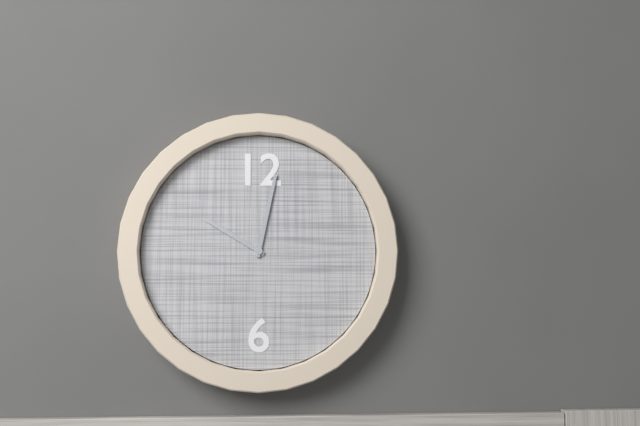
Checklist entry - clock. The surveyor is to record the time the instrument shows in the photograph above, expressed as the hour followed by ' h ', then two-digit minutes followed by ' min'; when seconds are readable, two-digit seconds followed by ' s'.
10 h 02 min
